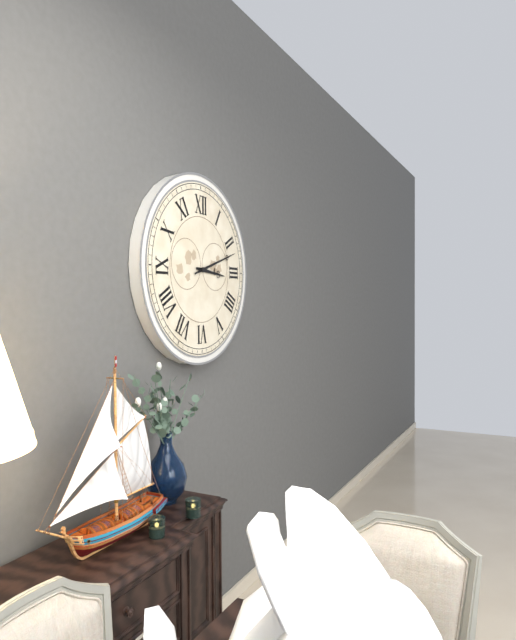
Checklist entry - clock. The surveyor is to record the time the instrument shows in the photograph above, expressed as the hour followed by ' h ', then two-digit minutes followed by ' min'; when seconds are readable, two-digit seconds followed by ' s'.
3 h 12 min
